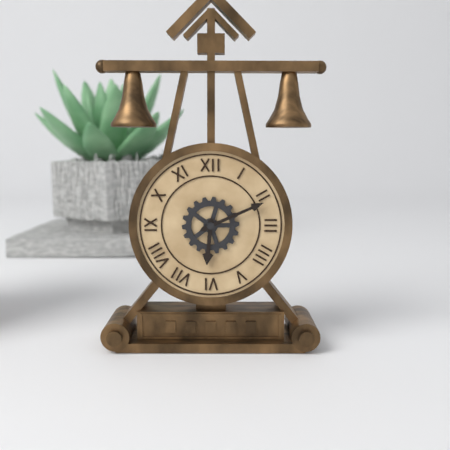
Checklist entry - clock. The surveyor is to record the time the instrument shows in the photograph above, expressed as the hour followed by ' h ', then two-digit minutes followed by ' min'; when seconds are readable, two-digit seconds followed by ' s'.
6 h 11 min
